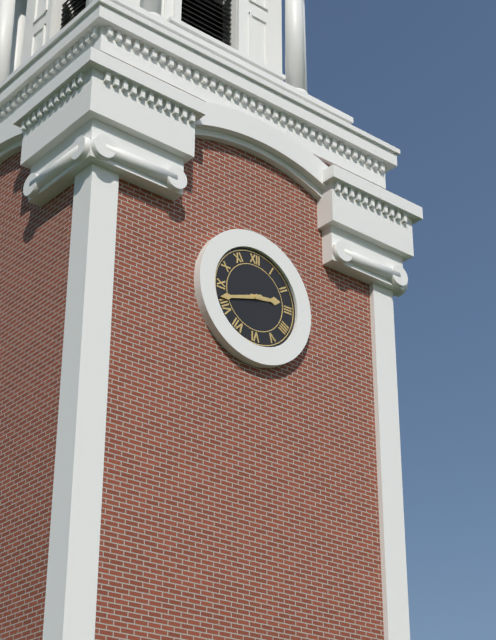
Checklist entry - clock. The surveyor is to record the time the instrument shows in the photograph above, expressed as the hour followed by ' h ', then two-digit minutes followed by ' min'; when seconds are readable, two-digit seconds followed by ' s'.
2 h 42 min
